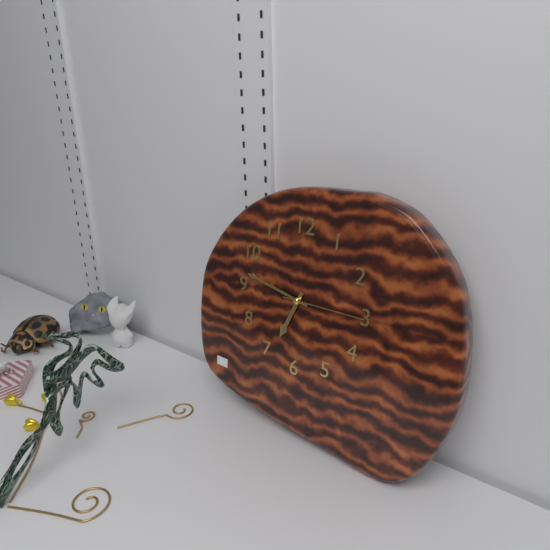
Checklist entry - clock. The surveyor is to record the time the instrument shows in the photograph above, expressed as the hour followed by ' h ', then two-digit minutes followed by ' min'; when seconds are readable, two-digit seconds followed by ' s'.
6 h 47 min 15 s
